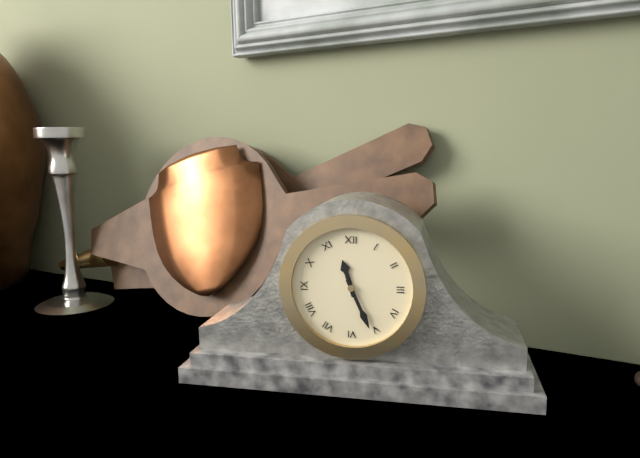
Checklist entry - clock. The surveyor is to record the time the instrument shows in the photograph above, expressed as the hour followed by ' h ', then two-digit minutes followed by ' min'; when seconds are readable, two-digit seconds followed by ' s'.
11 h 26 min
